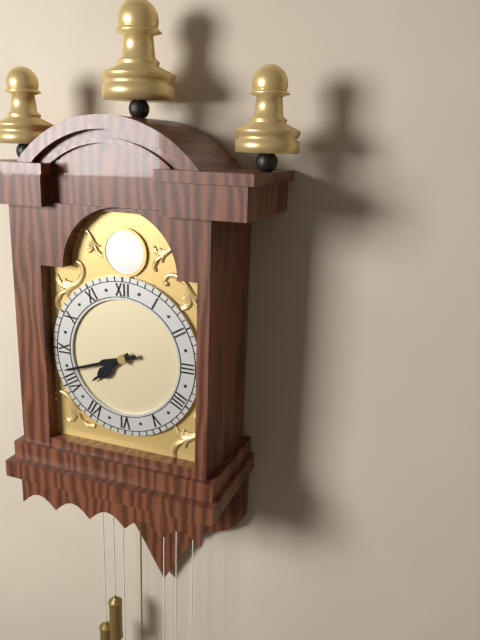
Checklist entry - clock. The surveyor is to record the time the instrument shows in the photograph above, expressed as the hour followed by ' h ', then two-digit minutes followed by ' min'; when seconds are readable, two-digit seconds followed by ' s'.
7 h 42 min
